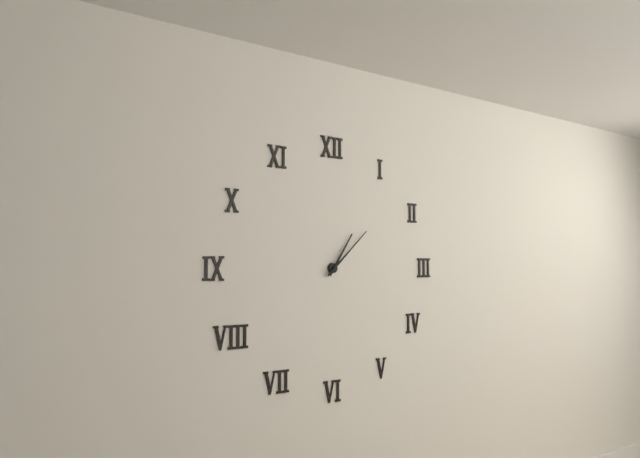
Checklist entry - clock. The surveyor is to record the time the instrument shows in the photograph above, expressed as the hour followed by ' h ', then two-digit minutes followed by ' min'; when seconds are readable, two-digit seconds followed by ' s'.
1 h 08 min
